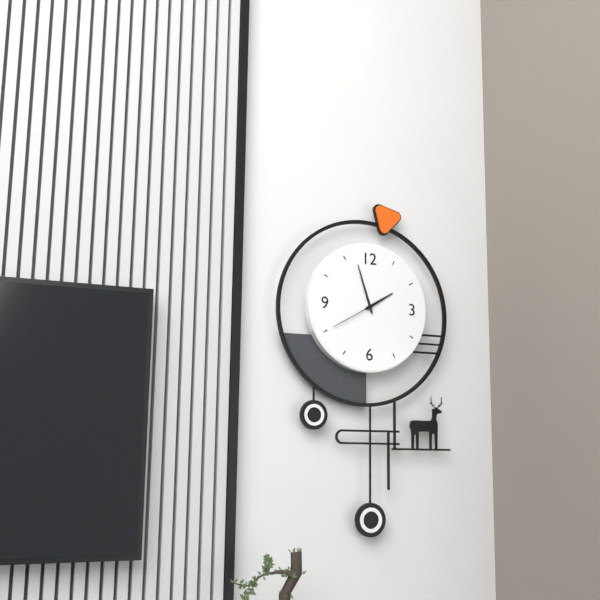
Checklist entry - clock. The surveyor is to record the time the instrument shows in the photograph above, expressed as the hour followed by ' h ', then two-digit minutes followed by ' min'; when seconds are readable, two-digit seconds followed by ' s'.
1 h 57 min 40 s
